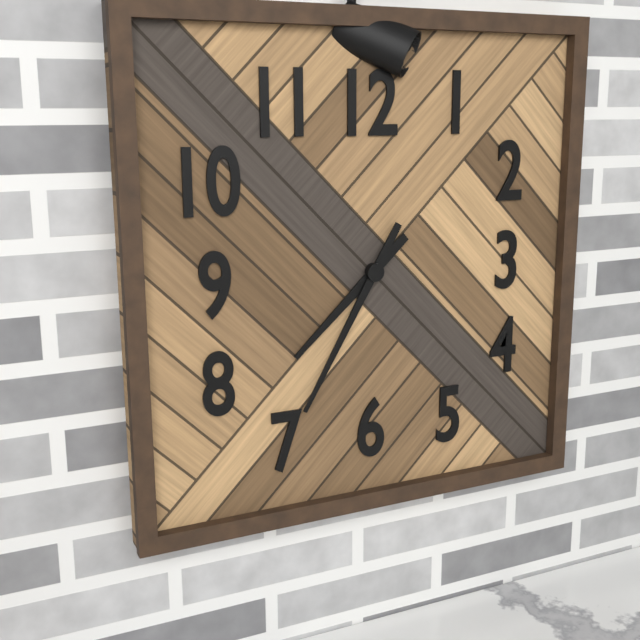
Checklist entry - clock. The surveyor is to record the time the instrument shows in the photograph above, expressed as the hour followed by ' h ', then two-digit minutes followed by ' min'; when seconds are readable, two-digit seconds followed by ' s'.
7 h 35 min
